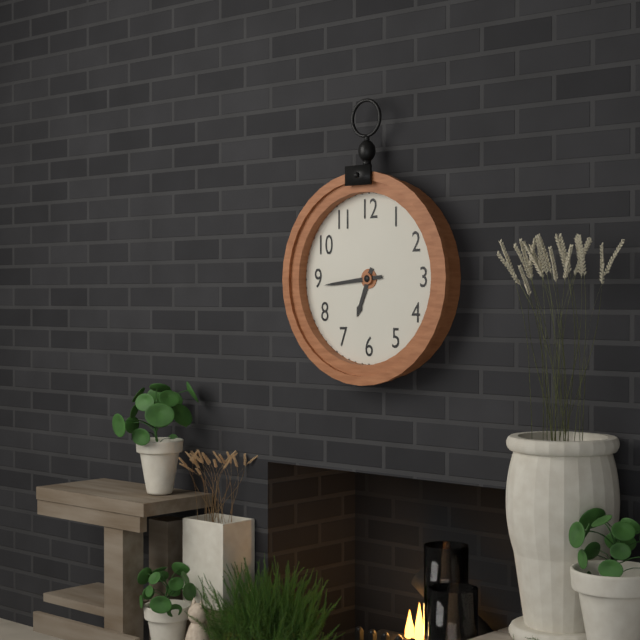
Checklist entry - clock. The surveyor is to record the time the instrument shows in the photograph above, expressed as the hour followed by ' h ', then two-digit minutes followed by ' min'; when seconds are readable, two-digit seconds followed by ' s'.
6 h 44 min
